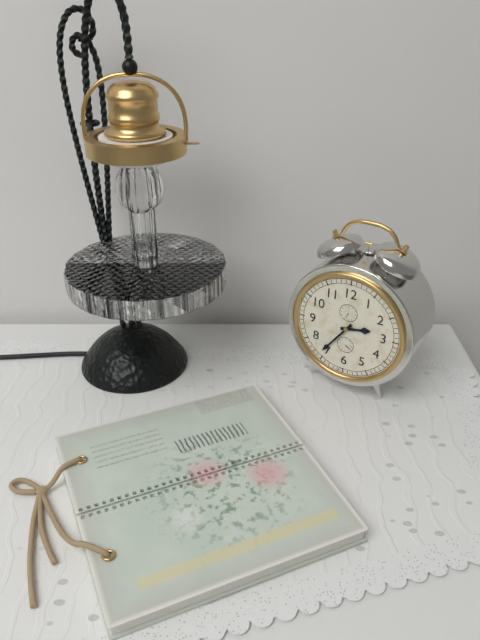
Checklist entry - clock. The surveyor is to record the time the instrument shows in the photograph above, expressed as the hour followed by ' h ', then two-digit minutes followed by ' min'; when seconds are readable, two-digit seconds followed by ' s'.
2 h 36 min
